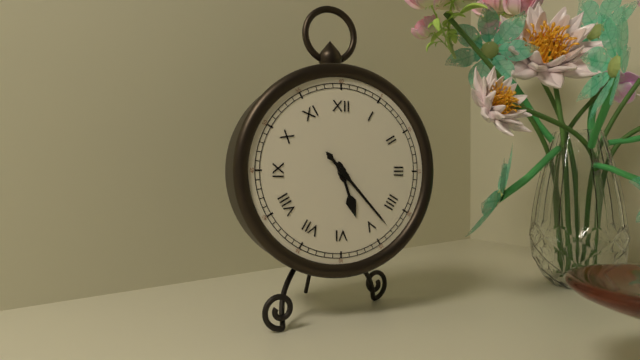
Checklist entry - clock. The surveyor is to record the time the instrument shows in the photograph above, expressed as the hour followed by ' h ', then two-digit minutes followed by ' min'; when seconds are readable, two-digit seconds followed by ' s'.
5 h 23 min
